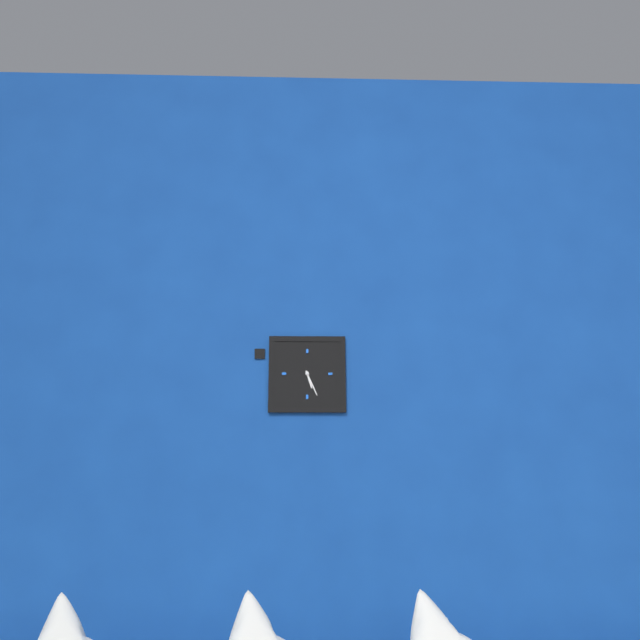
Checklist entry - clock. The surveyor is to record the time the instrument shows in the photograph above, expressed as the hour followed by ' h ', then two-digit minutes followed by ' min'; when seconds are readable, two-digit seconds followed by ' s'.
5 h 26 min
